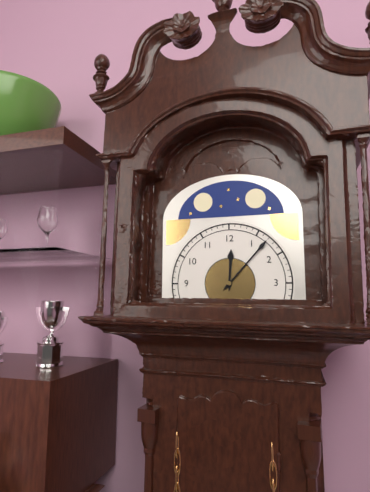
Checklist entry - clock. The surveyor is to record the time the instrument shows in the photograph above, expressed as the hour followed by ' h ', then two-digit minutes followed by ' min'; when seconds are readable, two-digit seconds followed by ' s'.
12 h 07 min
